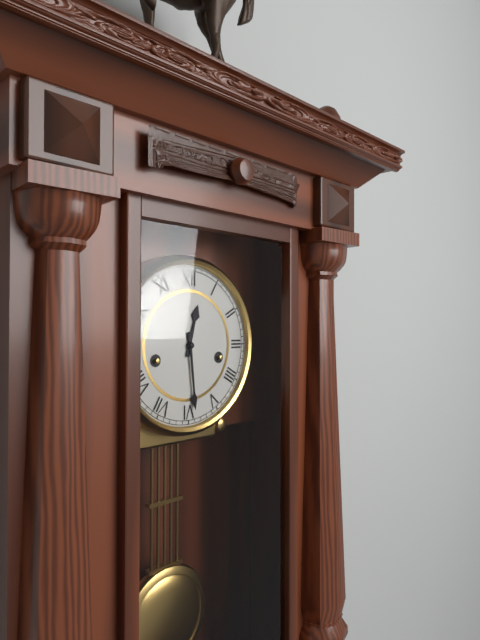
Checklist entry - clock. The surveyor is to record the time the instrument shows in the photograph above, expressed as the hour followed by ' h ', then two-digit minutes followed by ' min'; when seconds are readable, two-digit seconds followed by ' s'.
12 h 29 min
